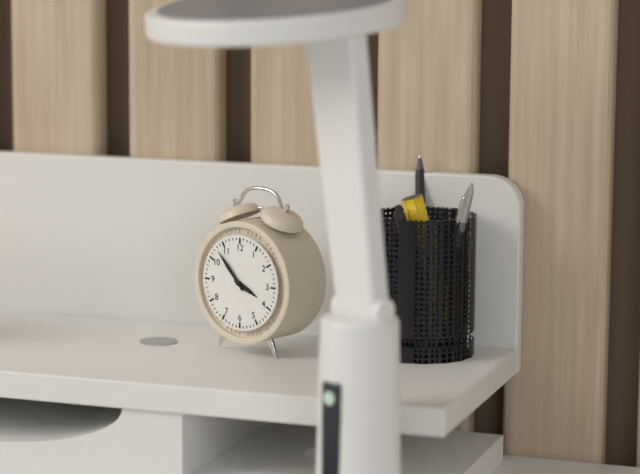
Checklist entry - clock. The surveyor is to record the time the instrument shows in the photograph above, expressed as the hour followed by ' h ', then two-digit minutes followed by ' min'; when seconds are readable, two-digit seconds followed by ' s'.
3 h 53 min
